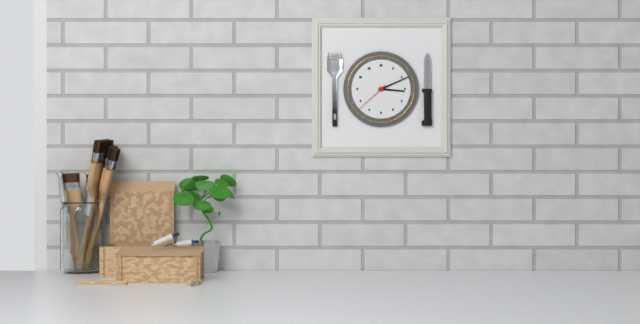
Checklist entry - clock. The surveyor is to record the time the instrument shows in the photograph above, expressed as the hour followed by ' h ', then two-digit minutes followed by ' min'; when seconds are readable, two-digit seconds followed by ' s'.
3 h 11 min
